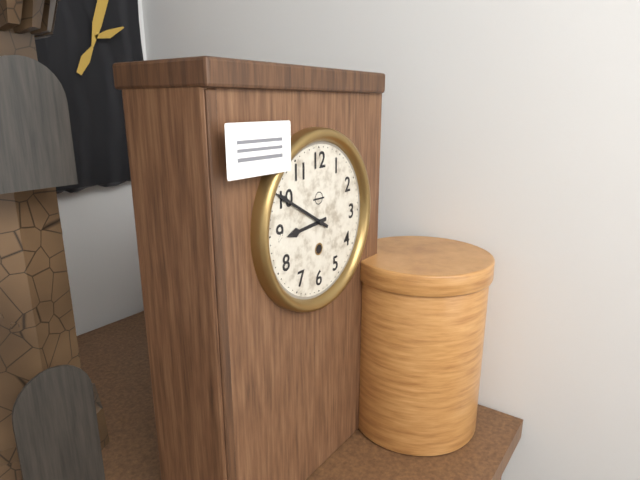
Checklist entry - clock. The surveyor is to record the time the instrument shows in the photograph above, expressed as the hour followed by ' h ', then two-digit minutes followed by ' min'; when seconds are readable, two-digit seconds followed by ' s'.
8 h 50 min
